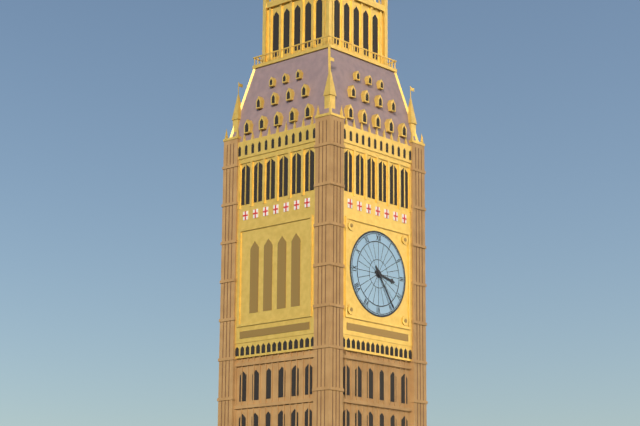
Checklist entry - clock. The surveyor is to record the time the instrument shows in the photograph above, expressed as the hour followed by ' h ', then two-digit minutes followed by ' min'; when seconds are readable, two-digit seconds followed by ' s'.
3 h 24 min
